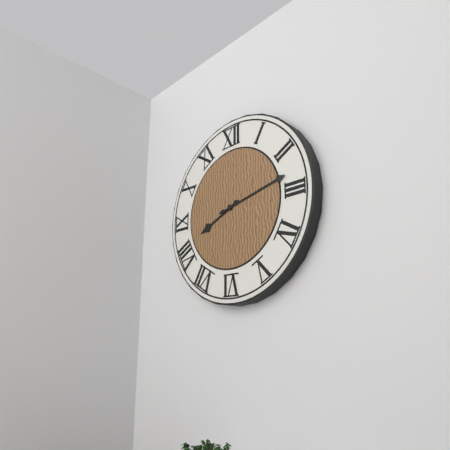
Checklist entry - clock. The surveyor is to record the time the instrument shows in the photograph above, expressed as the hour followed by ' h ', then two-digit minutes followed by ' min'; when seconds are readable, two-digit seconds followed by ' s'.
8 h 13 min
